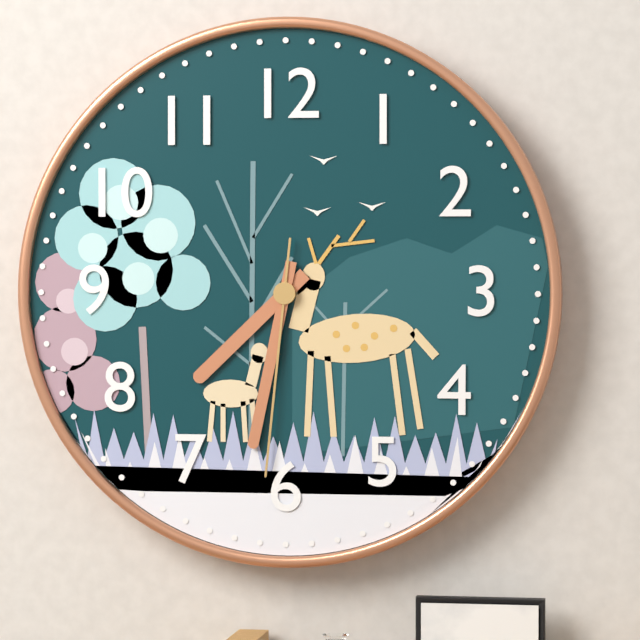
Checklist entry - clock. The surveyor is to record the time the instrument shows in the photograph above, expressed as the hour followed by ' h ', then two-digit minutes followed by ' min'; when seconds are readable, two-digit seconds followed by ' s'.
7 h 32 min 31 s
